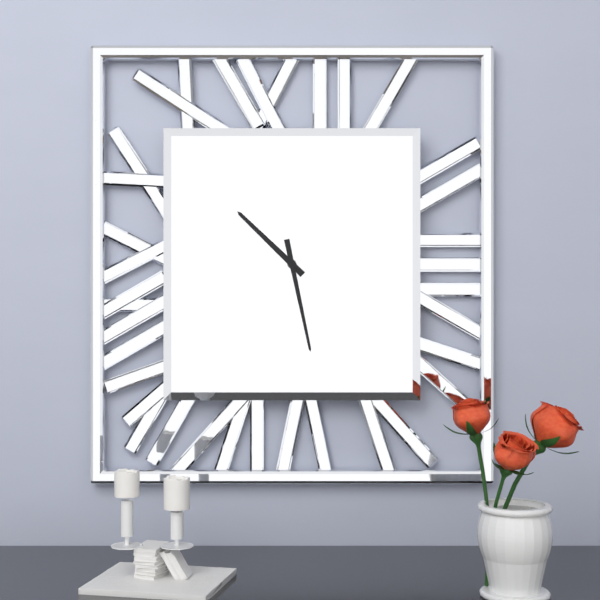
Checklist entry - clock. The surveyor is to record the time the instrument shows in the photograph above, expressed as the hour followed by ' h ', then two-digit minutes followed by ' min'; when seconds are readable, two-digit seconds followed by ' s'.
10 h 28 min
